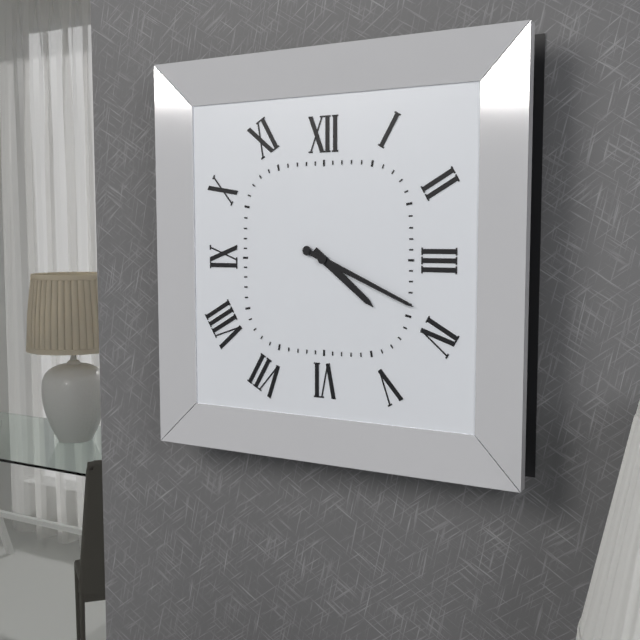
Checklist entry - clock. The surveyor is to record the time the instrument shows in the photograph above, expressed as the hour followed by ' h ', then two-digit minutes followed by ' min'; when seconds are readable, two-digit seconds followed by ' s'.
4 h 19 min
